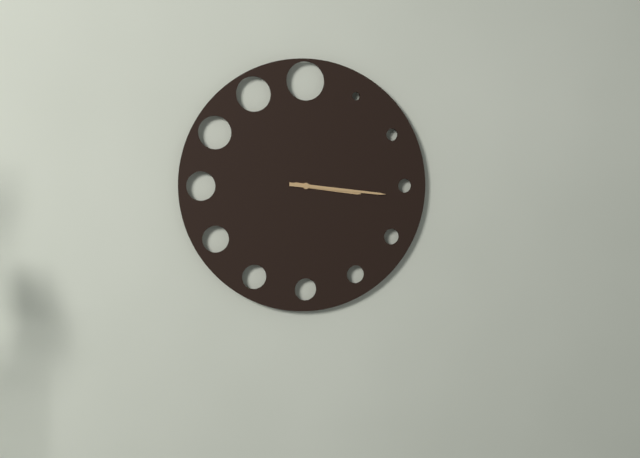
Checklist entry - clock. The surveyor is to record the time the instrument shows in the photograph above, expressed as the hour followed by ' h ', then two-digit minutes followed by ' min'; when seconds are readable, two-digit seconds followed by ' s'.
3 h 16 min
